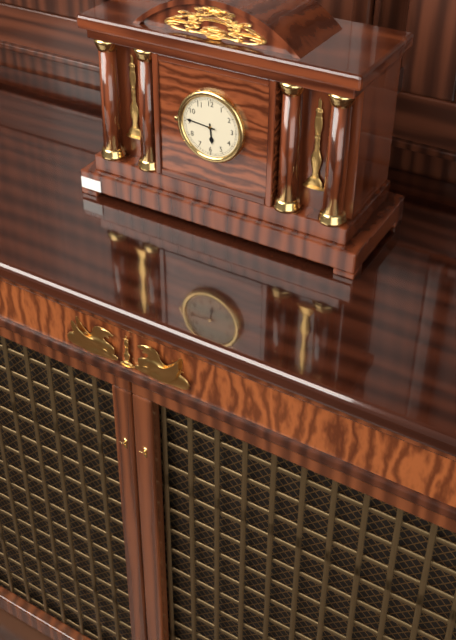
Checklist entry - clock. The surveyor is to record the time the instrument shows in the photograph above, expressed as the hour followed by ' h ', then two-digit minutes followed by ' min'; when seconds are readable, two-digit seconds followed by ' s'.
5 h 46 min
